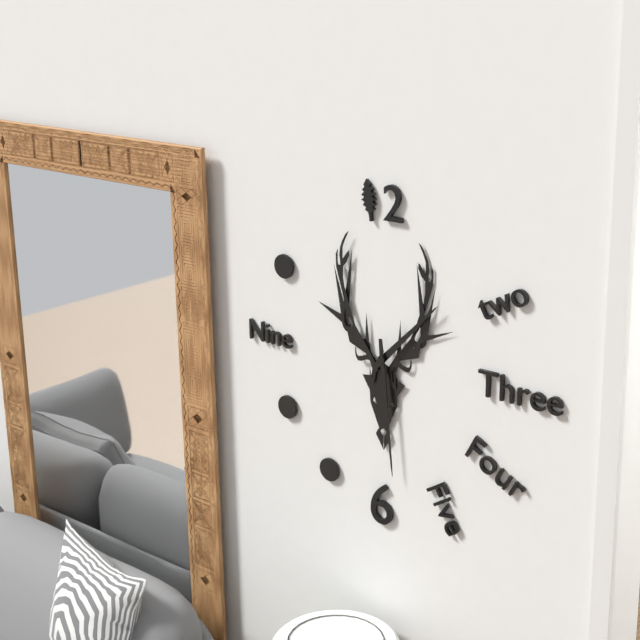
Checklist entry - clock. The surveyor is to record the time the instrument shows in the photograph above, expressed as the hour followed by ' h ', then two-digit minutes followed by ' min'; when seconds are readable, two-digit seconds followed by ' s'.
1 h 29 min
